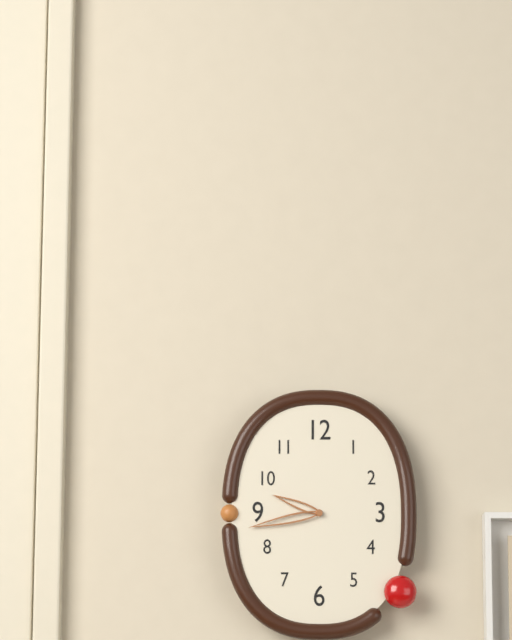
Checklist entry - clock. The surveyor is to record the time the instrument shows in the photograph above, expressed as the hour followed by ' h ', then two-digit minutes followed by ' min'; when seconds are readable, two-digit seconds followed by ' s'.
9 h 43 min
